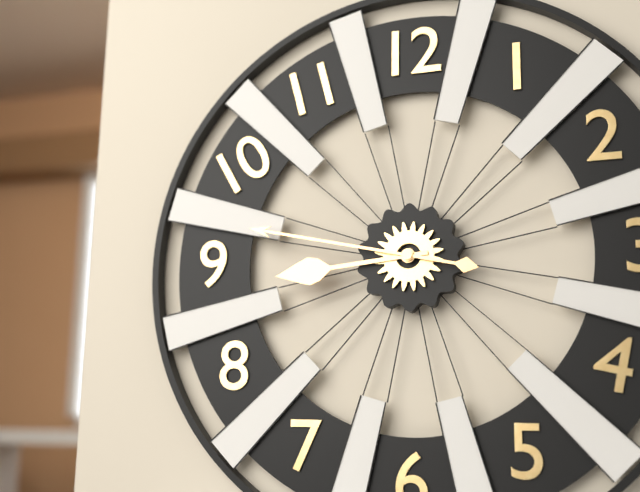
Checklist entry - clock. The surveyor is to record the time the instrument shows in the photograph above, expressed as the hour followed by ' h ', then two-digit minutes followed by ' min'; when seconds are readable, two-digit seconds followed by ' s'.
8 h 47 min
